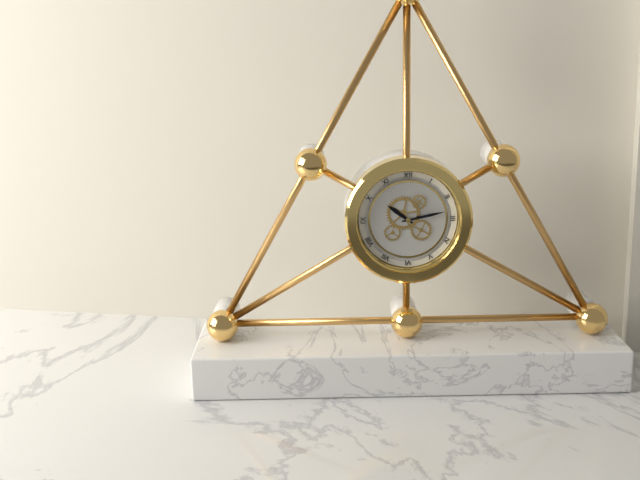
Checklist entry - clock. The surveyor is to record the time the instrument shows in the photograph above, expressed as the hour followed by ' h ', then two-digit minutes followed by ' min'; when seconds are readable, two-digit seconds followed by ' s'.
10 h 13 min
